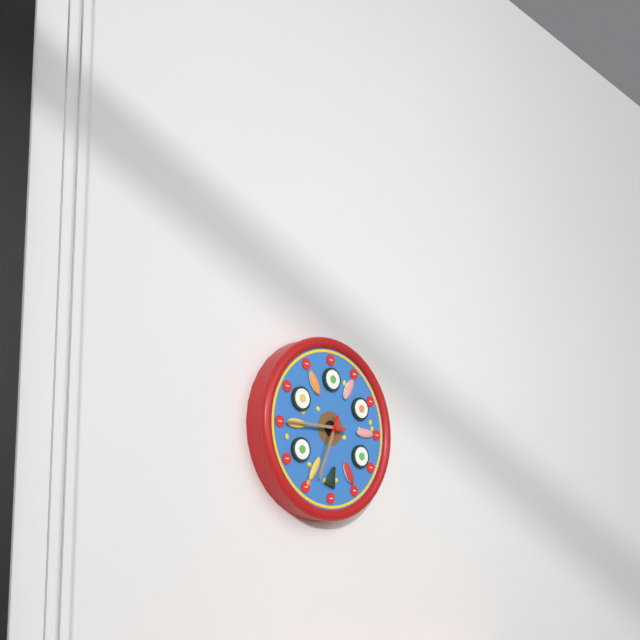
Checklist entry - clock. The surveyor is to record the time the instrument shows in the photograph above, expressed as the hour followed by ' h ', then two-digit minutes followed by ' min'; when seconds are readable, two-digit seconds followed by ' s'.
6 h 45 min
